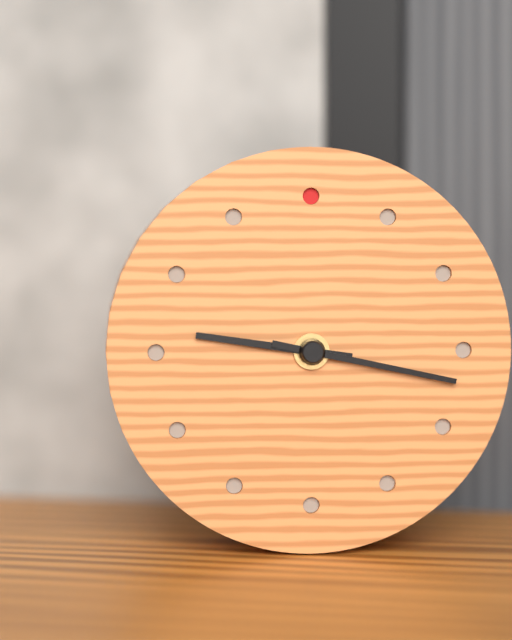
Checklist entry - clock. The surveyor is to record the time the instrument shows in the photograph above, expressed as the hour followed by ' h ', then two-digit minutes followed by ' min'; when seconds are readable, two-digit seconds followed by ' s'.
9 h 17 min
